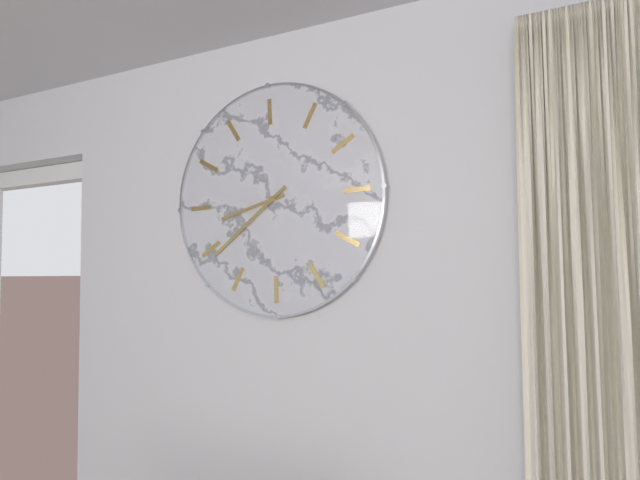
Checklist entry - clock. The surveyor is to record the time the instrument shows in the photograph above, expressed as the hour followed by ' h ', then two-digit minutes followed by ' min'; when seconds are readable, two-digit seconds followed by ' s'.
7 h 34 min
